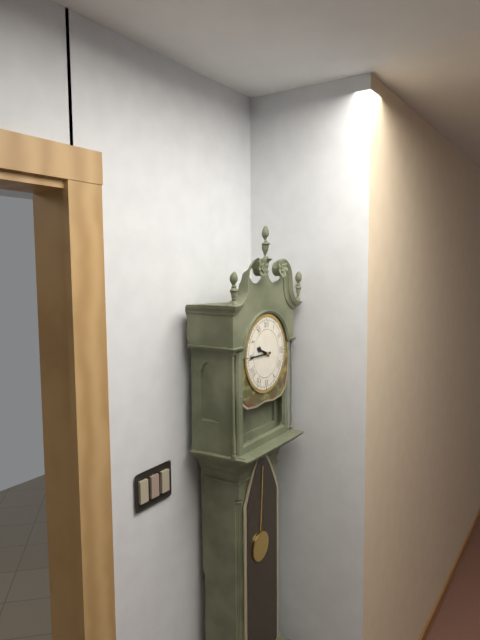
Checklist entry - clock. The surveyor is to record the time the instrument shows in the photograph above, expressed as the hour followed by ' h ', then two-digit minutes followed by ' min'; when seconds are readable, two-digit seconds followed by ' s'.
9 h 45 min
